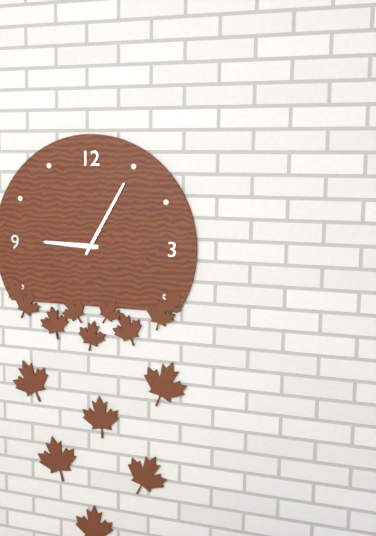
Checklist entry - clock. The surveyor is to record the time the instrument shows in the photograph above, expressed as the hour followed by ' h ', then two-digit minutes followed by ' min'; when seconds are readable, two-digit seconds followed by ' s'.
9 h 05 min
